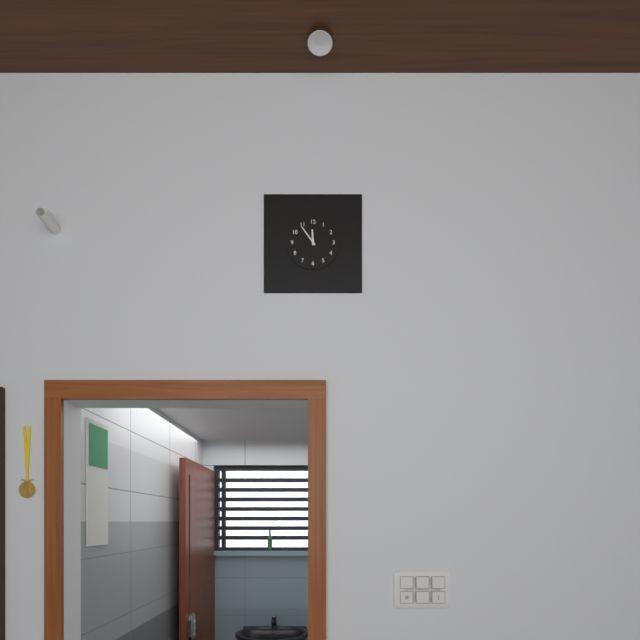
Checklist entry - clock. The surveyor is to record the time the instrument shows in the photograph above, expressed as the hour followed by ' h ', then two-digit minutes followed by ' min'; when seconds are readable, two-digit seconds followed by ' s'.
11 h 54 min
